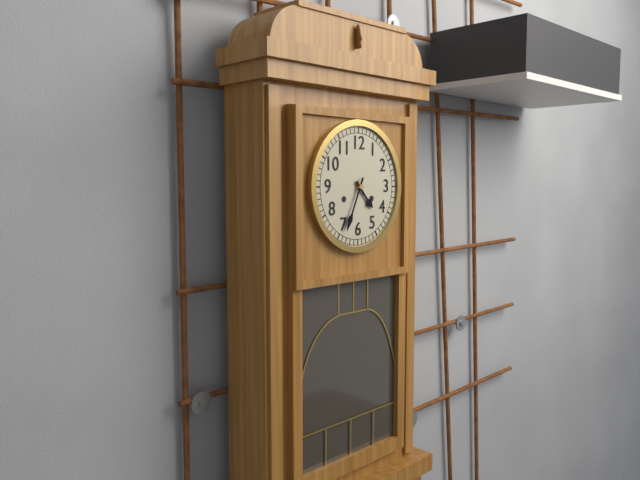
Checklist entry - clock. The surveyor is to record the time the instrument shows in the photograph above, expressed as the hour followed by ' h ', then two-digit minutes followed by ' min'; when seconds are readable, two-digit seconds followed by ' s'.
4 h 34 min
